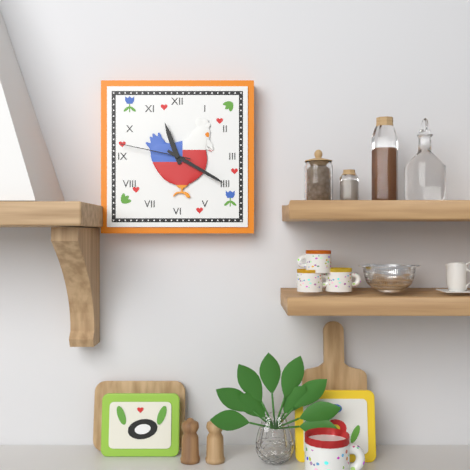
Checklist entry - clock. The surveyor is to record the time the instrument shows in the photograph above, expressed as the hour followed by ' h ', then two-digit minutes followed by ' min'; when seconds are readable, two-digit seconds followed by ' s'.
11 h 20 min 47 s
